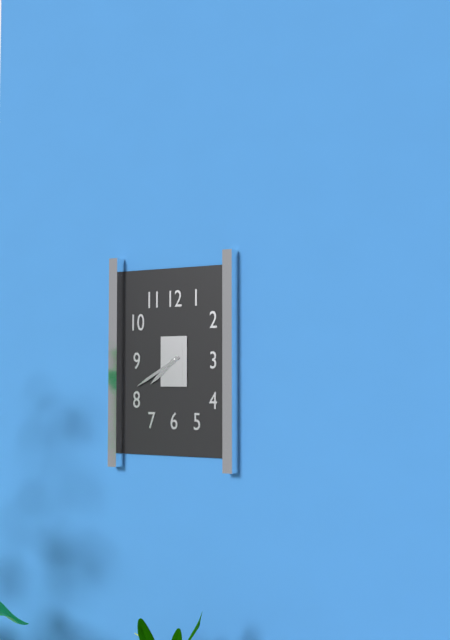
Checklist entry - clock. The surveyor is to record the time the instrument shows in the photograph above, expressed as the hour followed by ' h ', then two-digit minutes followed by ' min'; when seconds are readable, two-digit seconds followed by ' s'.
7 h 40 min
